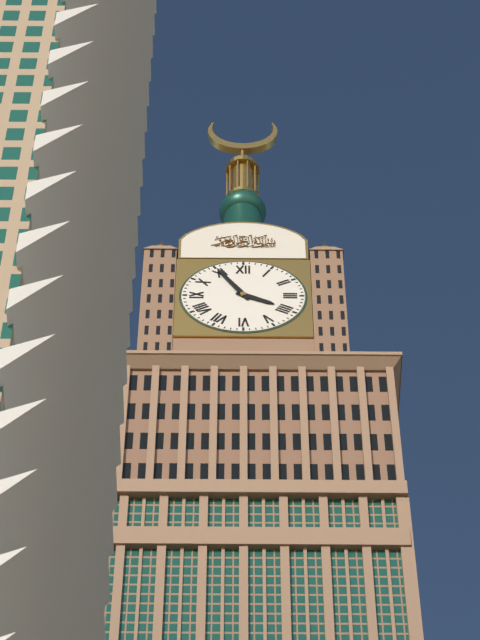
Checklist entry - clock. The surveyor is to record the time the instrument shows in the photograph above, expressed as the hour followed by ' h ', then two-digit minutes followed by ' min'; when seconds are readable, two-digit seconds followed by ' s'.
3 h 55 min
